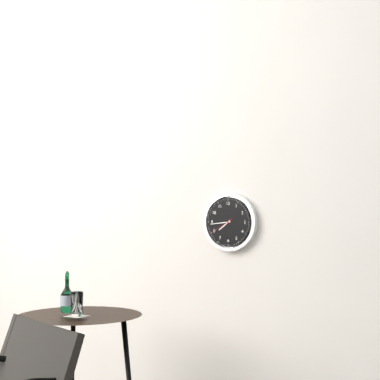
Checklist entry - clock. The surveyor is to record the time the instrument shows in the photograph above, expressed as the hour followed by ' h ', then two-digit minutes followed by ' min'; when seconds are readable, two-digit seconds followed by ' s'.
7 h 44 min
